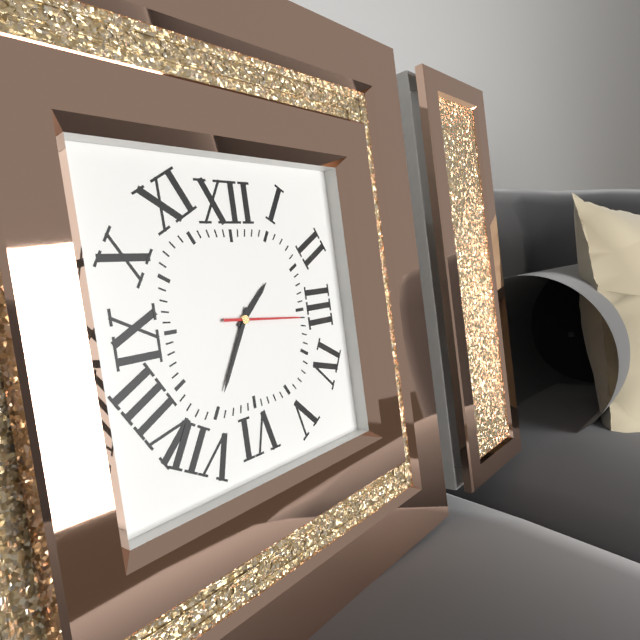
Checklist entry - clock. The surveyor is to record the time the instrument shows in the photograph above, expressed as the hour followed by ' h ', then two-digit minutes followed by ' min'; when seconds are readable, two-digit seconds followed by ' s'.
1 h 35 min 16 s
